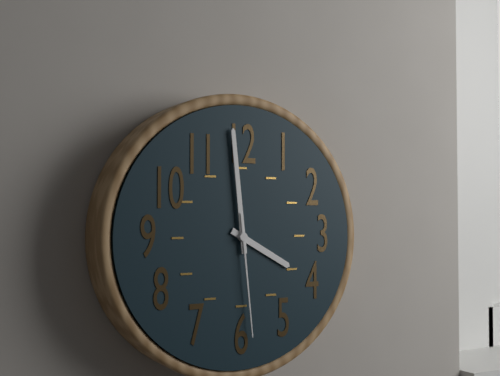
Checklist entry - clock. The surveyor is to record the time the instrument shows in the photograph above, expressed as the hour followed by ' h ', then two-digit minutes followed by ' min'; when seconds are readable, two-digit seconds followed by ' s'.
3 h 59 min 29 s
